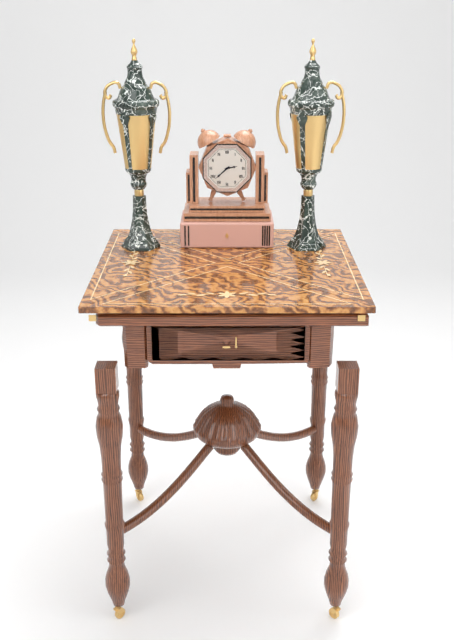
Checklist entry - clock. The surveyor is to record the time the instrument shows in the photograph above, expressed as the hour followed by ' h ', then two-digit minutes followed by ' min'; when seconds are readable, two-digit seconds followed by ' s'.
2 h 38 min
